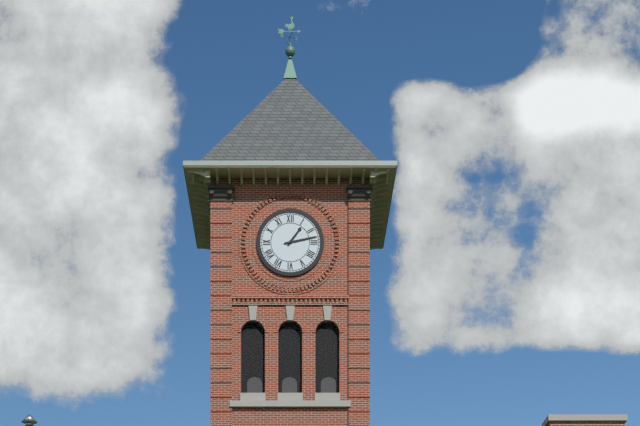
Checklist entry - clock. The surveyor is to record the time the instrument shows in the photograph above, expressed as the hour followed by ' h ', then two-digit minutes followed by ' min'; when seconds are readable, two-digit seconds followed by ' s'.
1 h 13 min
